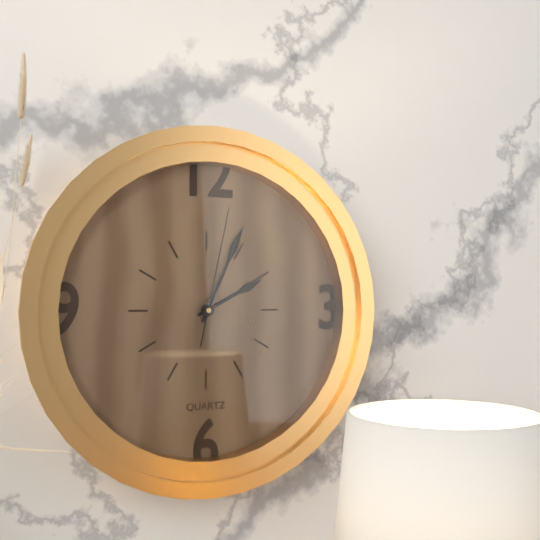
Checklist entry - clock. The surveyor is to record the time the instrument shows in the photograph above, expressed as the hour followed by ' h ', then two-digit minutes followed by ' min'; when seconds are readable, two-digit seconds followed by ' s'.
2 h 04 min 02 s
